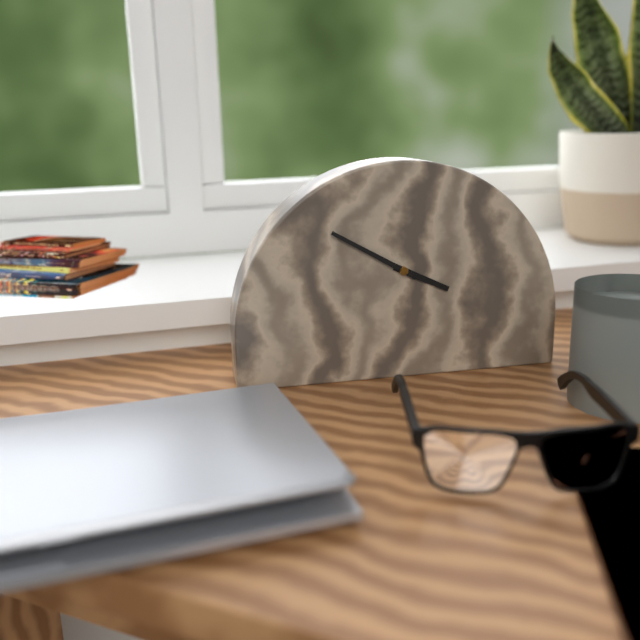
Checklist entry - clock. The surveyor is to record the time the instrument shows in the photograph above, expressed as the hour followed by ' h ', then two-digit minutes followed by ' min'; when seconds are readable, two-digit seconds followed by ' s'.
3 h 50 min
